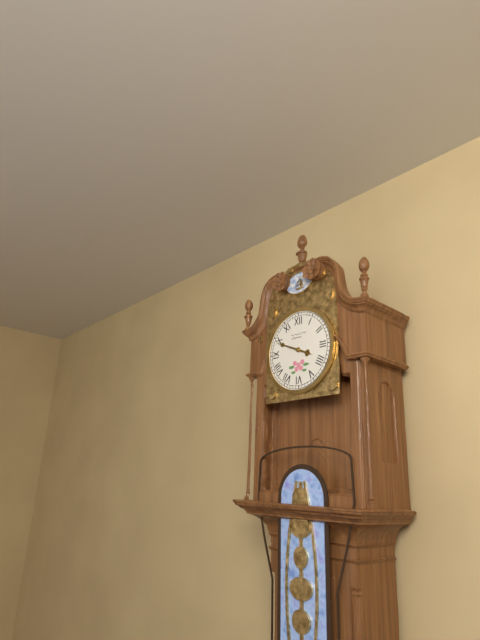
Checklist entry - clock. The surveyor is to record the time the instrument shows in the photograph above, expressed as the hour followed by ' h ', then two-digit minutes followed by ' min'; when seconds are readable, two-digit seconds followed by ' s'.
3 h 49 min
